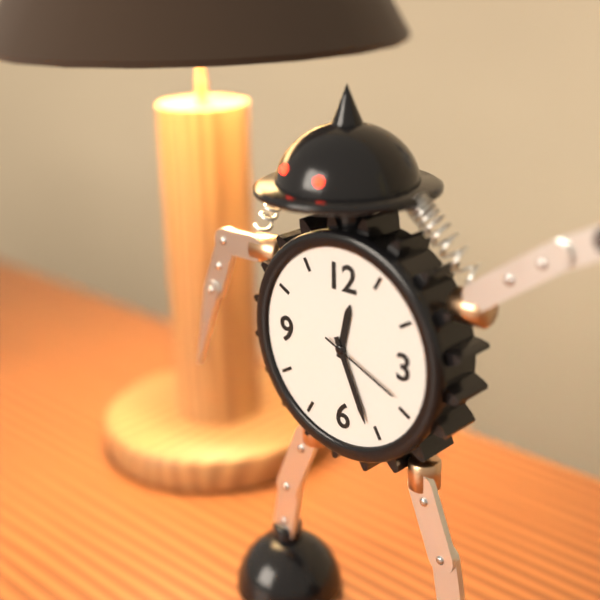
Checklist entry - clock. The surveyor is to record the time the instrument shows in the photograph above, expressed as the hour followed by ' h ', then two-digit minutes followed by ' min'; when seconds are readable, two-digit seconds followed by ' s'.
12 h 26 min 19 s
